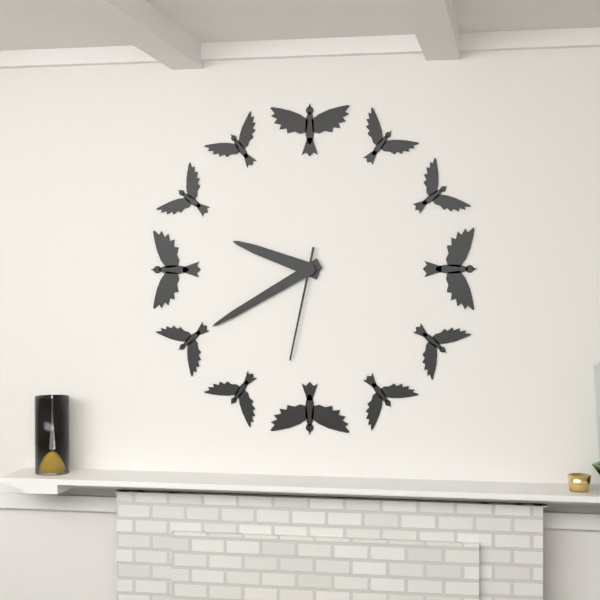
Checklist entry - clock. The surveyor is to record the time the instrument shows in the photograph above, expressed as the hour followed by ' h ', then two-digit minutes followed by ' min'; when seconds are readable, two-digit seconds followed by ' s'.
9 h 40 min 32 s
